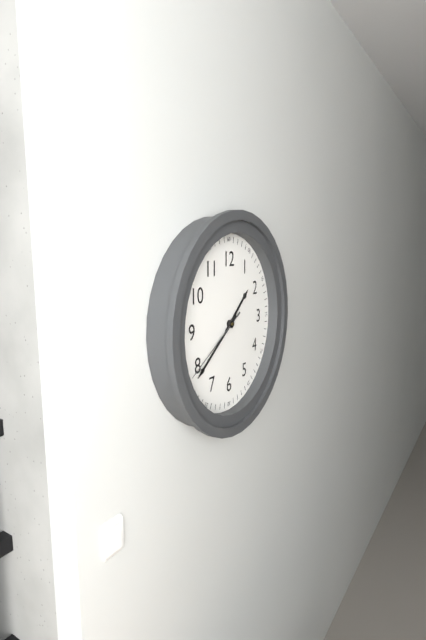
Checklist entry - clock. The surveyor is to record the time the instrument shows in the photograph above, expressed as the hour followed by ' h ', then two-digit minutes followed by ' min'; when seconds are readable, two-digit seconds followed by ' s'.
1 h 39 min 40 s
